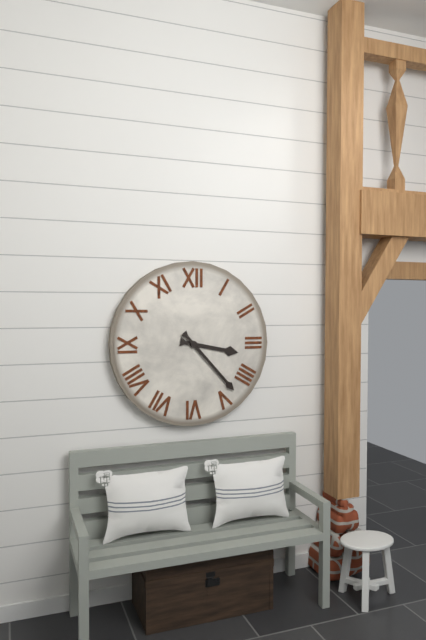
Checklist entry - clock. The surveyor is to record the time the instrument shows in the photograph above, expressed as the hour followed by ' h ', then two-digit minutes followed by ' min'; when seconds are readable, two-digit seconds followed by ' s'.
3 h 23 min
